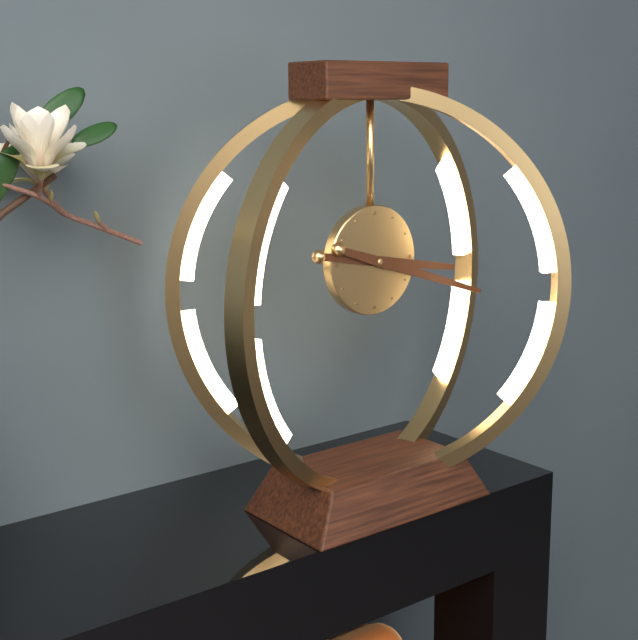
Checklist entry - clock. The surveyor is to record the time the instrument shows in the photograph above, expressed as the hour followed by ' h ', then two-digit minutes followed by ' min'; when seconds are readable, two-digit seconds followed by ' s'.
3 h 18 min
